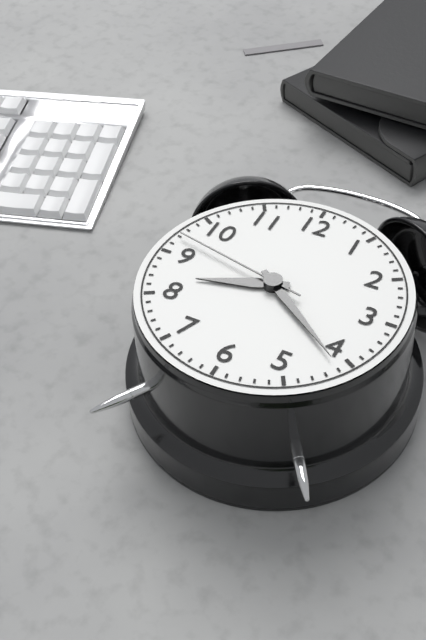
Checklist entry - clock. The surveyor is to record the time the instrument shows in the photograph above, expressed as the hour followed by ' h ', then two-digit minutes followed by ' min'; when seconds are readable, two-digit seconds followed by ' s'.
8 h 21 min 47 s
